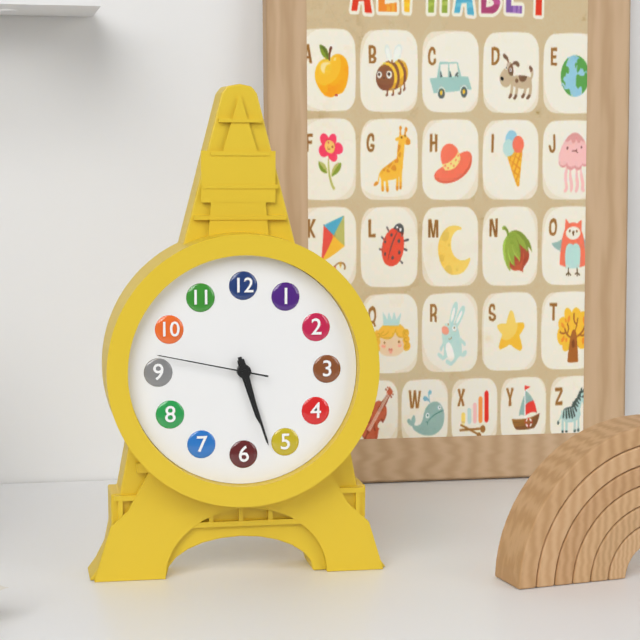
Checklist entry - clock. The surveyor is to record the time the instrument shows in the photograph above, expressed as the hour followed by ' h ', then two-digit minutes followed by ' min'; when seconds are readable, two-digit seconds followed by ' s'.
5 h 27 min 47 s
